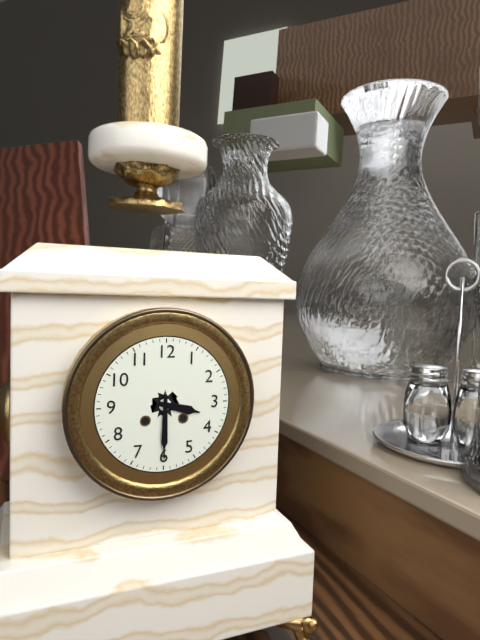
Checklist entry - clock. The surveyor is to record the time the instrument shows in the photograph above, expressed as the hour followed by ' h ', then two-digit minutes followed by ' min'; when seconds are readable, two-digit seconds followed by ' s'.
3 h 30 min
